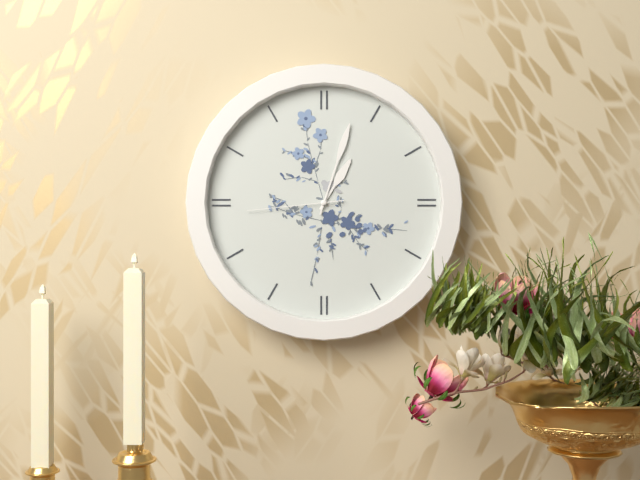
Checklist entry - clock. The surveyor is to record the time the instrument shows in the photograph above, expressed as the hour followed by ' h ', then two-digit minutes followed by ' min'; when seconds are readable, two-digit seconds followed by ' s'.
1 h 03 min 44 s
